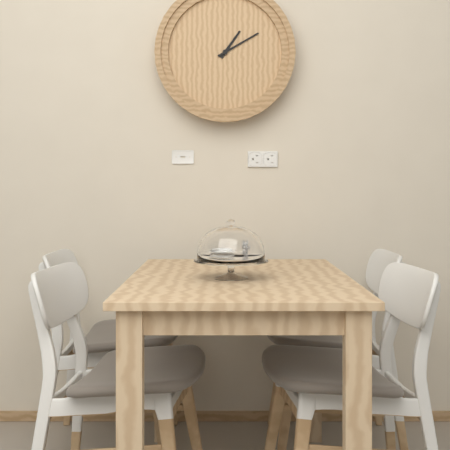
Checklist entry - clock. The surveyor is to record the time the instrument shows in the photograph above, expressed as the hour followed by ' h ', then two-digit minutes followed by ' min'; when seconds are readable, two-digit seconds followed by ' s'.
1 h 10 min
